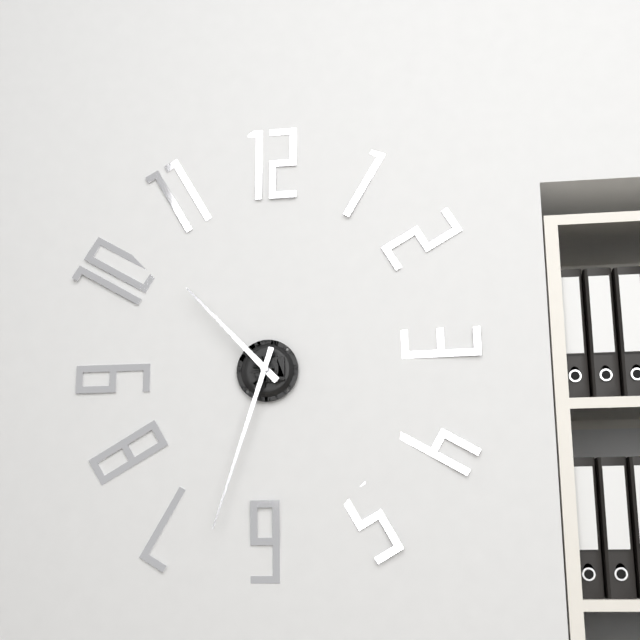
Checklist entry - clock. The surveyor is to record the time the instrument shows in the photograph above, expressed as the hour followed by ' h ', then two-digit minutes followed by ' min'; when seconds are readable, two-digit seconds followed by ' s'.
10 h 33 min
